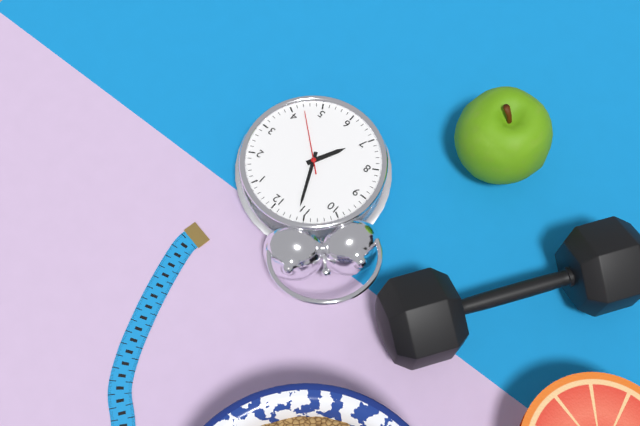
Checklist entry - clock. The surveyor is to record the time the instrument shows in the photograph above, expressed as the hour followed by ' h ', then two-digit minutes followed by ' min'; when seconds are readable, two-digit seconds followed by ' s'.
6 h 56 min 22 s
